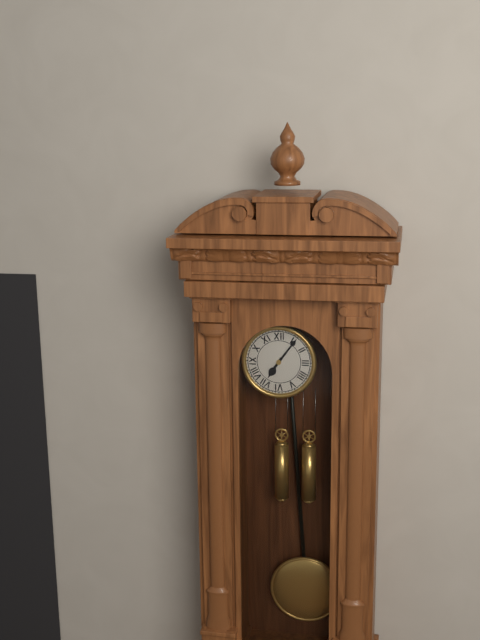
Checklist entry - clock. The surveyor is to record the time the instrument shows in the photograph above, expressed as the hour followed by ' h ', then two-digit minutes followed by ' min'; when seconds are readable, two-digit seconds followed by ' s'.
7 h 06 min
